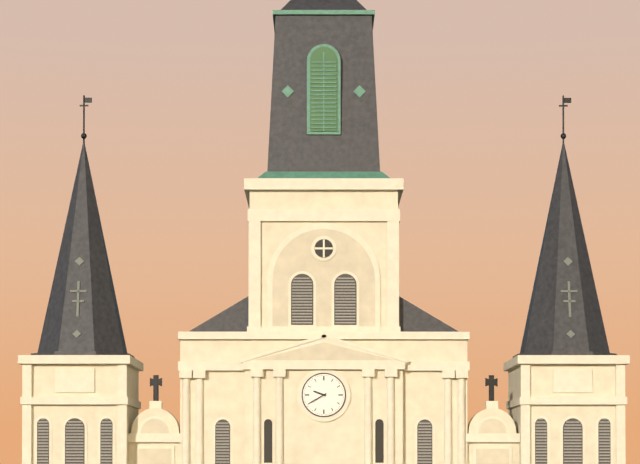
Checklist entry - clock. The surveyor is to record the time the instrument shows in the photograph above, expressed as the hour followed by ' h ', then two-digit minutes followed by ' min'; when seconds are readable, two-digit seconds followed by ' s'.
9 h 40 min
